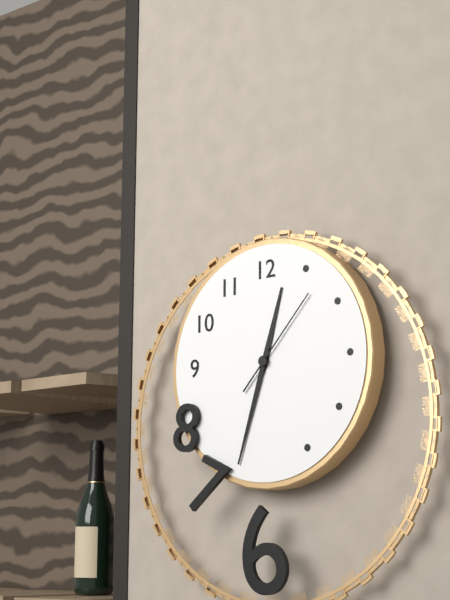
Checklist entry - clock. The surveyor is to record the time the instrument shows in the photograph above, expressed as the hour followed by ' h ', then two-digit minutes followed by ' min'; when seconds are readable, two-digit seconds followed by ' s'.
12 h 33 min 07 s
